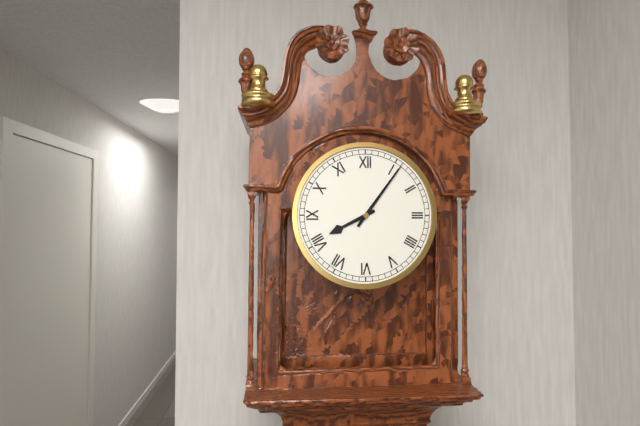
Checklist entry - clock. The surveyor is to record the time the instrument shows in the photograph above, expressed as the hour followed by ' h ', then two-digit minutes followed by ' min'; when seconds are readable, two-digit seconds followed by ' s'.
8 h 06 min
